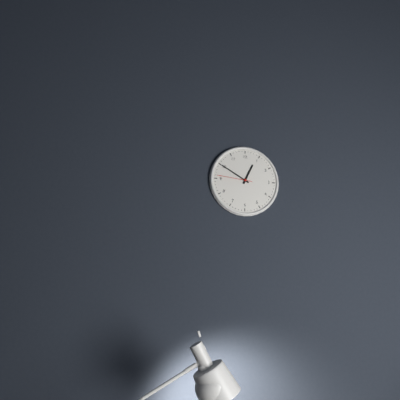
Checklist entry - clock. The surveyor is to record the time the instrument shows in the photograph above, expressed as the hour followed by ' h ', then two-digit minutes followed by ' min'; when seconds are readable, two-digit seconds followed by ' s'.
12 h 50 min
